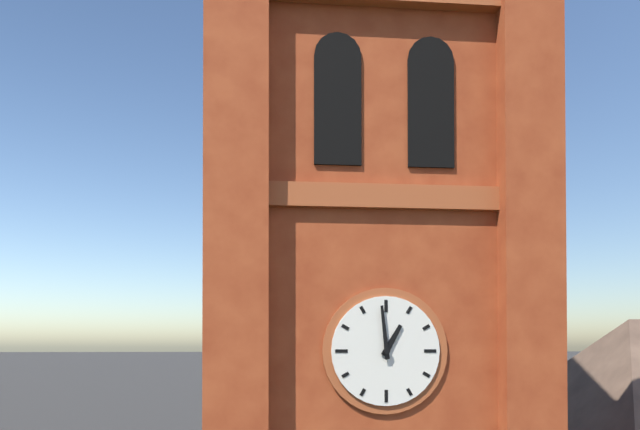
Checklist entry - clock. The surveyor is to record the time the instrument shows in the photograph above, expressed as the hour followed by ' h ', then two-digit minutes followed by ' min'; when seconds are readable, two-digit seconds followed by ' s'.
12 h 59 min
